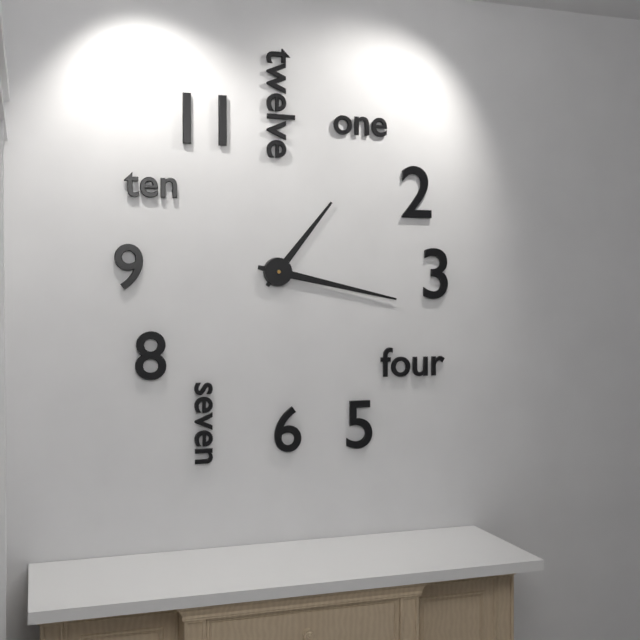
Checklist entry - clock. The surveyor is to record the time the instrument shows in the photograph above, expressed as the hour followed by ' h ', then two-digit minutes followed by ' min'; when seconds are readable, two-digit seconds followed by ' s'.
1 h 17 min
